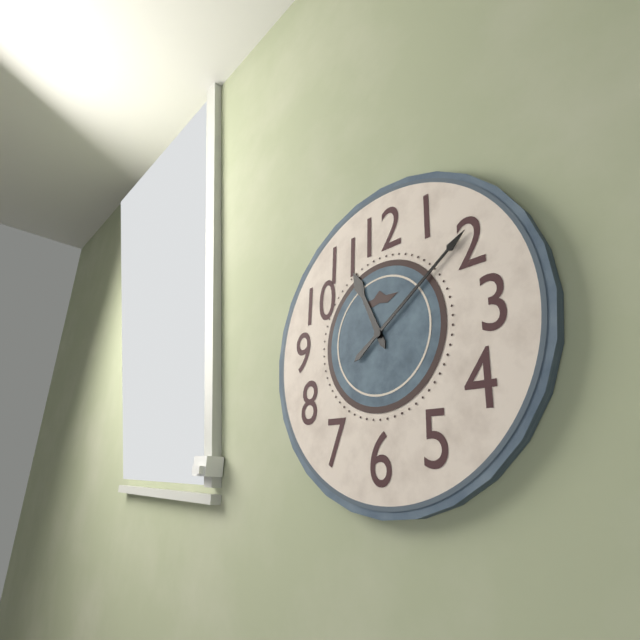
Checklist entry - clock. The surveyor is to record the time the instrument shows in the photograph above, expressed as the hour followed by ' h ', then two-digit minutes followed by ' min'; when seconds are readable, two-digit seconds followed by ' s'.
11 h 09 min
